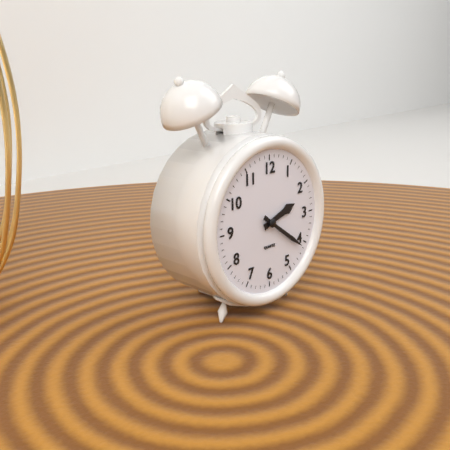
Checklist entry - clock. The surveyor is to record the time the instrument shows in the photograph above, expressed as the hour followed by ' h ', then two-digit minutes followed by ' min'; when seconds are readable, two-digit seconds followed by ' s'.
2 h 21 min
